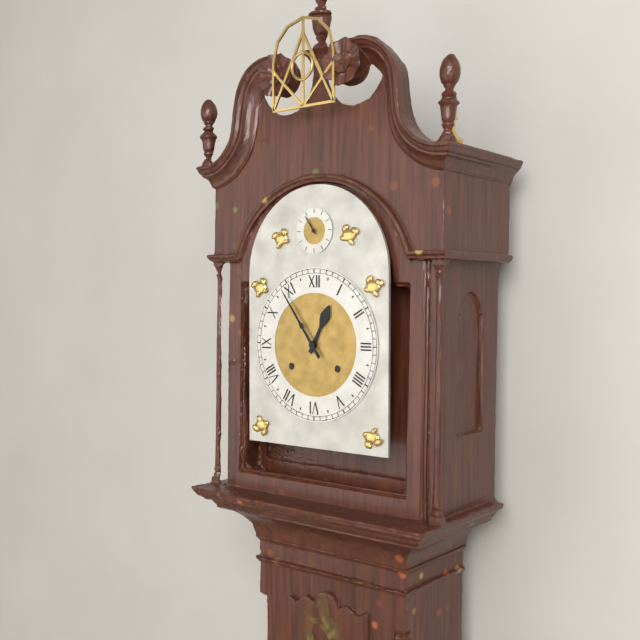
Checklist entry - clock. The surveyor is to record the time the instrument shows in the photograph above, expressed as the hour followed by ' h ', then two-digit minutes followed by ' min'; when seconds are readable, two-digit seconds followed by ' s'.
12 h 54 min
